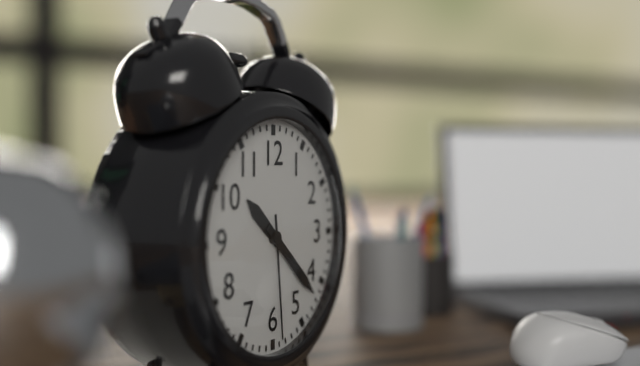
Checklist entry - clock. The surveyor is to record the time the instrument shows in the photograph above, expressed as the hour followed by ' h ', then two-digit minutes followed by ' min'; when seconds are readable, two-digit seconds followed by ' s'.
10 h 22 min 29 s
